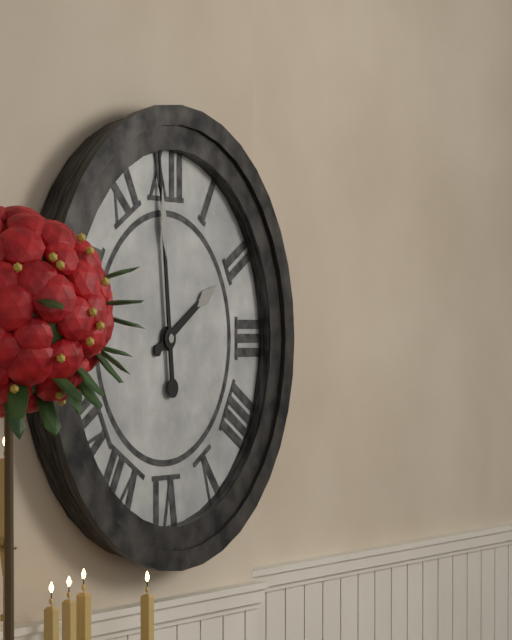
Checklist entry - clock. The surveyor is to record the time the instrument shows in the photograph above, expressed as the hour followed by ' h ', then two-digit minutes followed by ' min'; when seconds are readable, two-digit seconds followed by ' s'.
1 h 59 min
